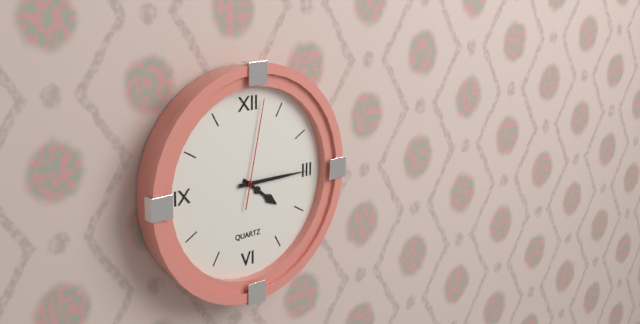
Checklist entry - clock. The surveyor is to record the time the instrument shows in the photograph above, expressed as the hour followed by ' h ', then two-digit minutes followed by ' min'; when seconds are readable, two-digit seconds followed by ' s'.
4 h 15 min 02 s
